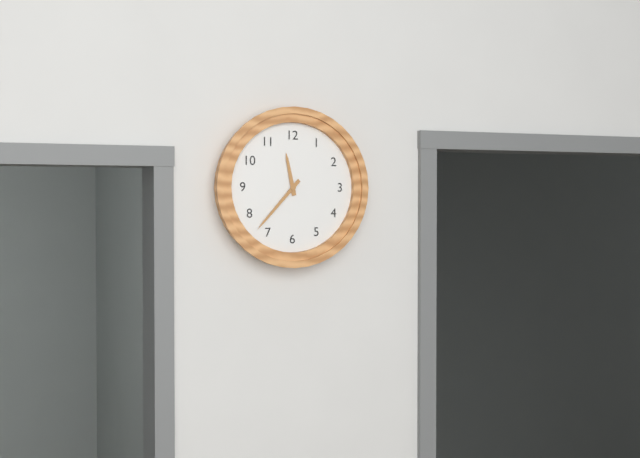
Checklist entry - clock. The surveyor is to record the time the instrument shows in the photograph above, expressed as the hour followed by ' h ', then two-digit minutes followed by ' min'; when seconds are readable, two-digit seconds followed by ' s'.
11 h 37 min
